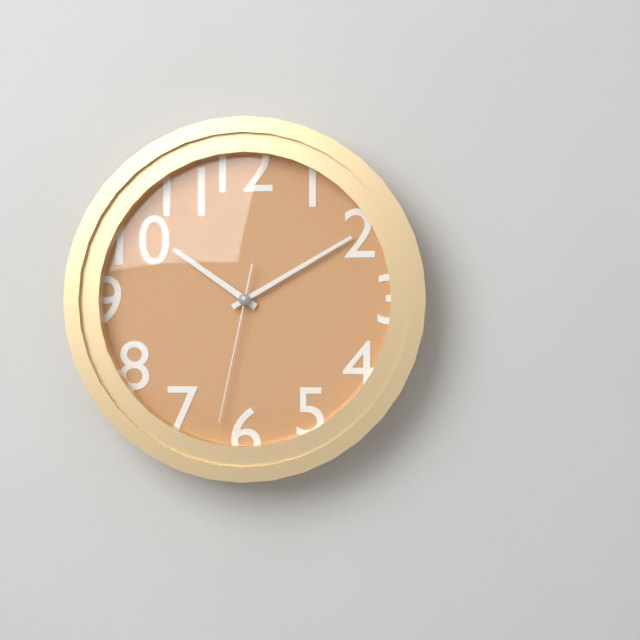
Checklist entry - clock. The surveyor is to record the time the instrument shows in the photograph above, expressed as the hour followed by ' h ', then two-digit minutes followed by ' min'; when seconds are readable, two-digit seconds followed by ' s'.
10 h 10 min 32 s
